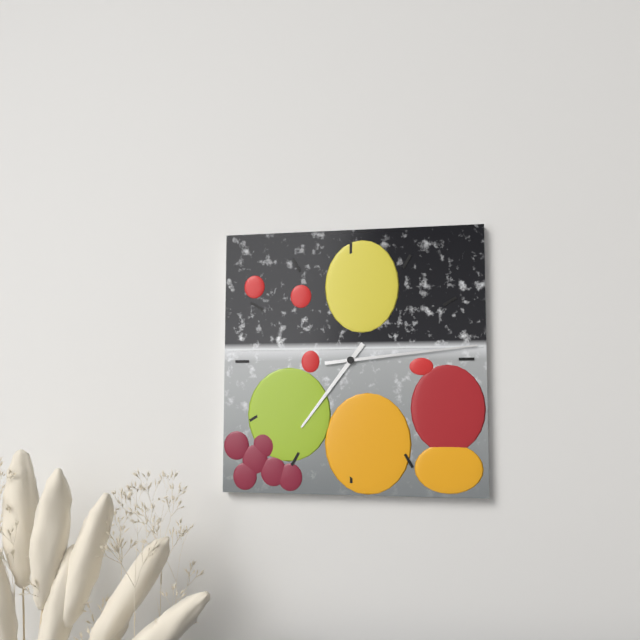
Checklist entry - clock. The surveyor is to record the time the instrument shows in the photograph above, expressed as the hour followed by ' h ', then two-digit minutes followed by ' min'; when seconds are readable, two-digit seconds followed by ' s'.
7 h 14 min
